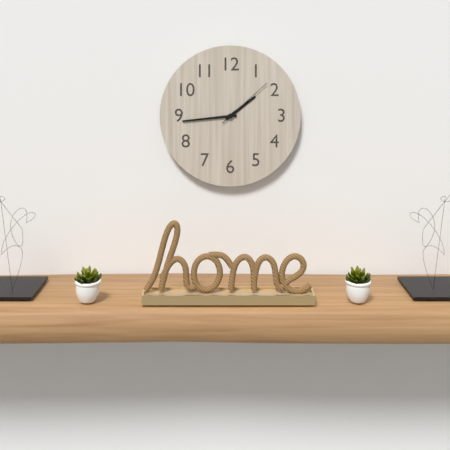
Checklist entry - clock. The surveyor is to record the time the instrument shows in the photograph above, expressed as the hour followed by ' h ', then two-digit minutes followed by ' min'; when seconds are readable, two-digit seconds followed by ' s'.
1 h 44 min 08 s
